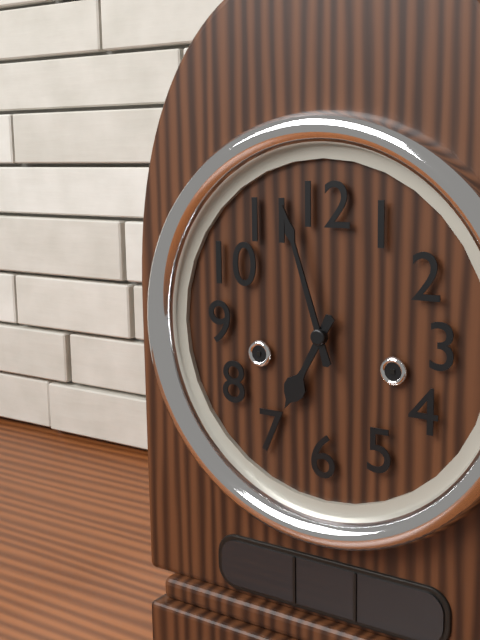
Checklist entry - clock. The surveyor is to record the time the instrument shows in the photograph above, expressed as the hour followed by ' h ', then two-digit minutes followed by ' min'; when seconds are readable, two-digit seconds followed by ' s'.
6 h 57 min
